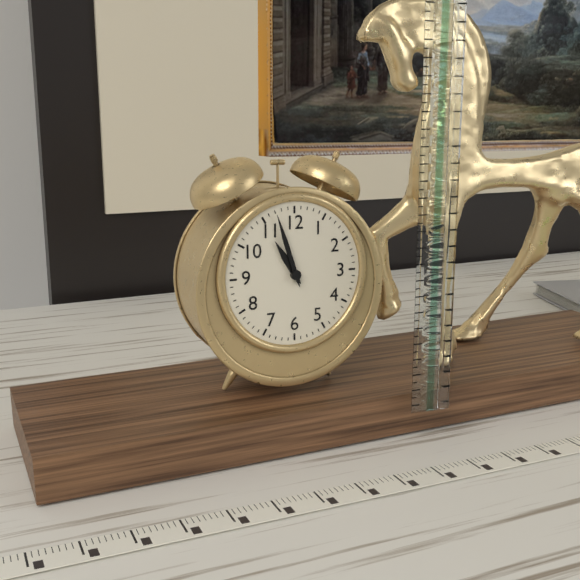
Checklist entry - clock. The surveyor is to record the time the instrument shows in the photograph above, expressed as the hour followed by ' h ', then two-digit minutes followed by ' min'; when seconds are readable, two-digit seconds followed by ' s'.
10 h 57 min
